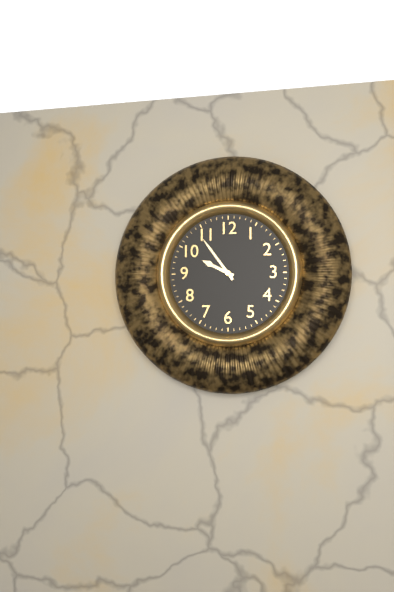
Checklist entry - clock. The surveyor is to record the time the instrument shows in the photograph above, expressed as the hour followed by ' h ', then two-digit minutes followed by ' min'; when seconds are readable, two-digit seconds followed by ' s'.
9 h 54 min
